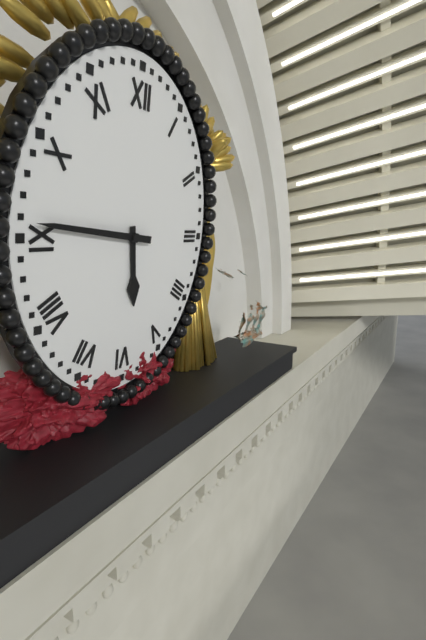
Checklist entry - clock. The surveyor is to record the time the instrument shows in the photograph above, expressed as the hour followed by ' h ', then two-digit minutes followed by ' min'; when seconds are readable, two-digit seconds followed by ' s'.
5 h 46 min
